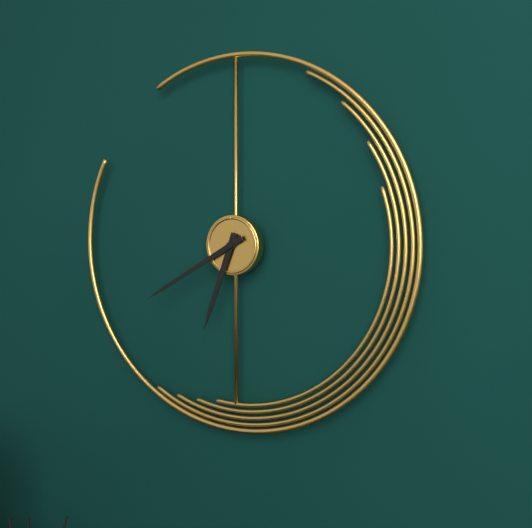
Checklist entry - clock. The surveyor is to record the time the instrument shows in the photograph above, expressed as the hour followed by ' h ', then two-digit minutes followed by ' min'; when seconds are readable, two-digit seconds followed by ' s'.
6 h 40 min
